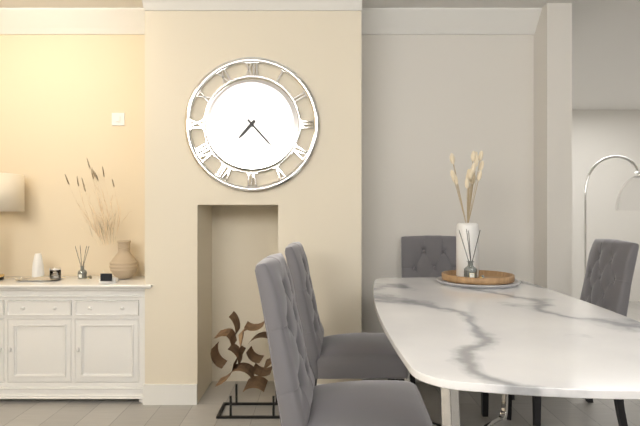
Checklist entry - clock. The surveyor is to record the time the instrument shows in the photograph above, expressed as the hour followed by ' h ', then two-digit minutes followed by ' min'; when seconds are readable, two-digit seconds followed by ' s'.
7 h 23 min
